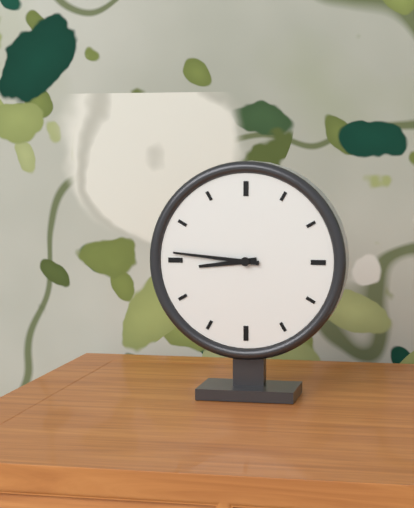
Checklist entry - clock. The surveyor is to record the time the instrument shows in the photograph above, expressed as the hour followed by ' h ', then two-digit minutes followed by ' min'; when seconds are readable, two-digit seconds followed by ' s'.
8 h 46 min
